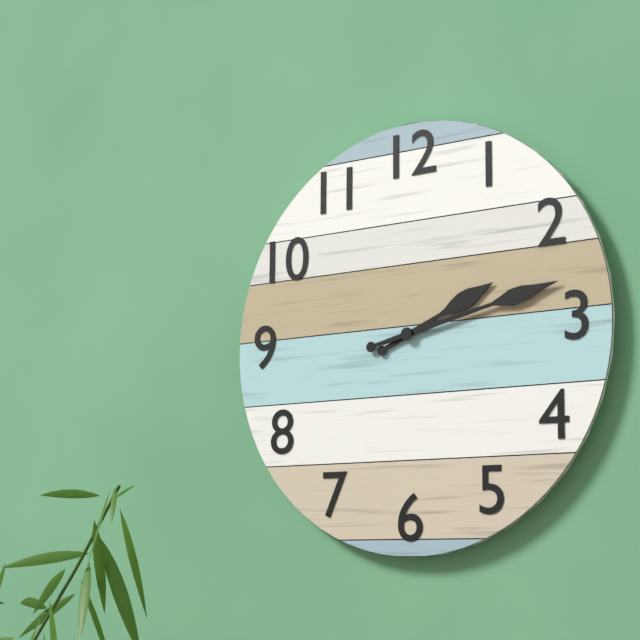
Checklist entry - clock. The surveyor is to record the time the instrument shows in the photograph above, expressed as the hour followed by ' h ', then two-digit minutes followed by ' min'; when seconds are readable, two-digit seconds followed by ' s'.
2 h 13 min
